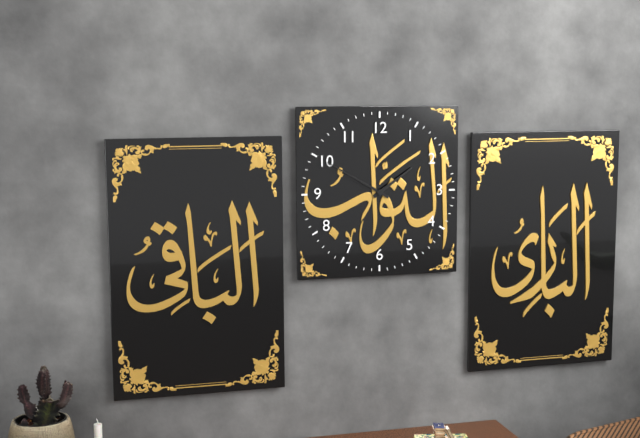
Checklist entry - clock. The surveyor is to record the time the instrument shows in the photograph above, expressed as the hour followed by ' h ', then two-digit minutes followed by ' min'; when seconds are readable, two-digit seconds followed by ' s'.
1 h 50 min
